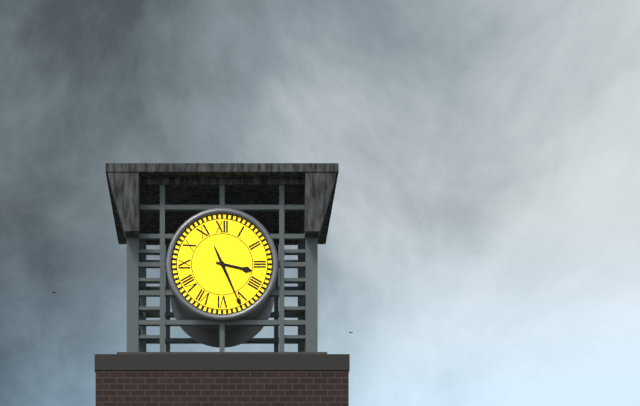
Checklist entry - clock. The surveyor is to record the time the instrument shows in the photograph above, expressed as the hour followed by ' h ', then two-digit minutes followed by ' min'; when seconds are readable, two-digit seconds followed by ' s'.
3 h 26 min
